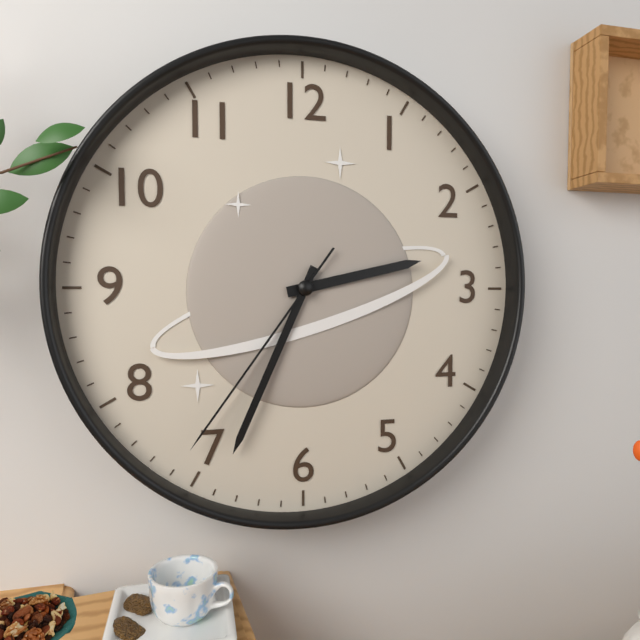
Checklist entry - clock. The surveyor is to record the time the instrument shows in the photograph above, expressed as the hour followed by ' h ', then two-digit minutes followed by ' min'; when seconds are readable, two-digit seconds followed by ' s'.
2 h 34 min 36 s
